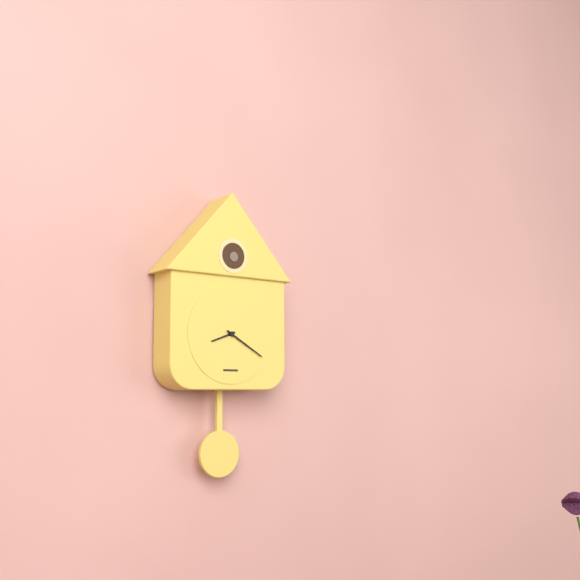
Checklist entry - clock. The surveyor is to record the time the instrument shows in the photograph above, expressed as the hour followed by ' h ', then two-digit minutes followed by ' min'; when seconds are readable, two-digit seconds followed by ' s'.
8 h 20 min
